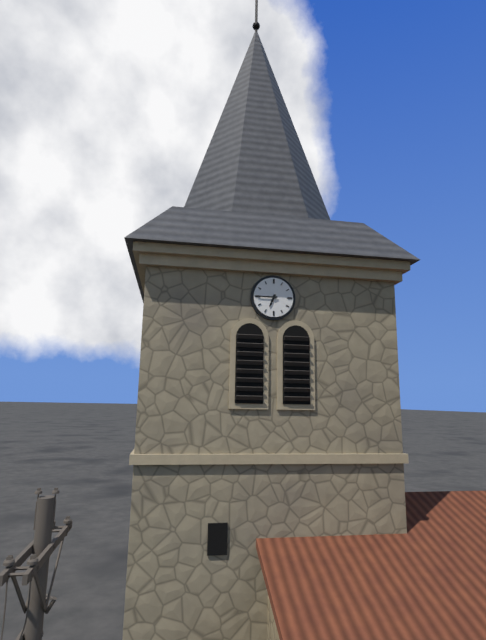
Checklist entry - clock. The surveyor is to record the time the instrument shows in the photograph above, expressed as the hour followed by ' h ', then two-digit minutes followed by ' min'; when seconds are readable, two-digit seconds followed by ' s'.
6 h 45 min
